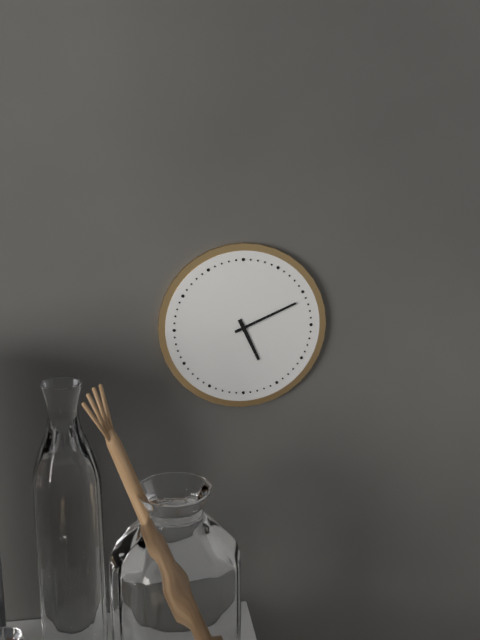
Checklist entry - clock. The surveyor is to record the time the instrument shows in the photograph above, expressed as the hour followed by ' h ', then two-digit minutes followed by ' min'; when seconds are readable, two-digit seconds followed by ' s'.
5 h 11 min
